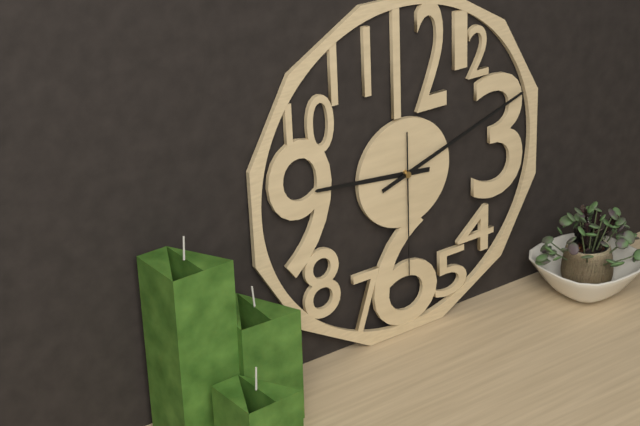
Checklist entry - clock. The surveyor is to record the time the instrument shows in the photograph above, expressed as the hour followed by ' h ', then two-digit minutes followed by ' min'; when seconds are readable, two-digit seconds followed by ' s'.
9 h 12 min 30 s
